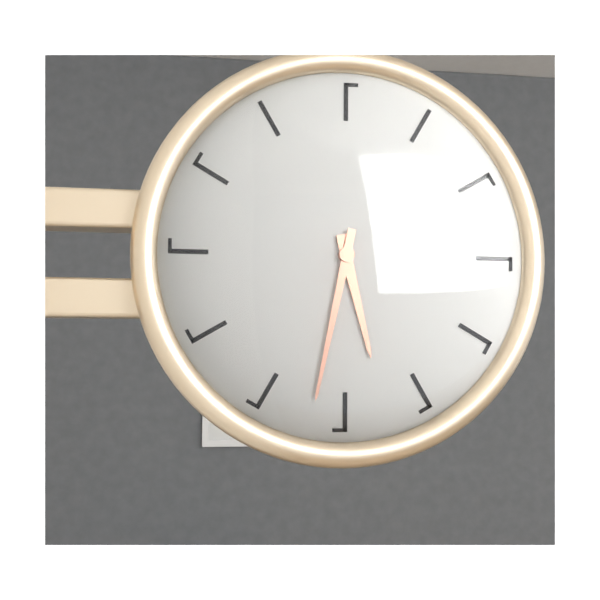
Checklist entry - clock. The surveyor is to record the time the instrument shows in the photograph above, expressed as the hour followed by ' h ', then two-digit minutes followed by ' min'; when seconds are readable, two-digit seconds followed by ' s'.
5 h 32 min
